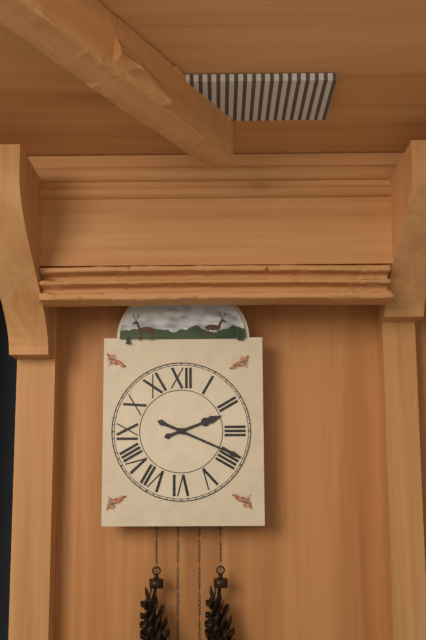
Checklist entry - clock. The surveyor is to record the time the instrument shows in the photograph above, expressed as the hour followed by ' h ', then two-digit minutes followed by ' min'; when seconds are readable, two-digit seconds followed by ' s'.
2 h 19 min
